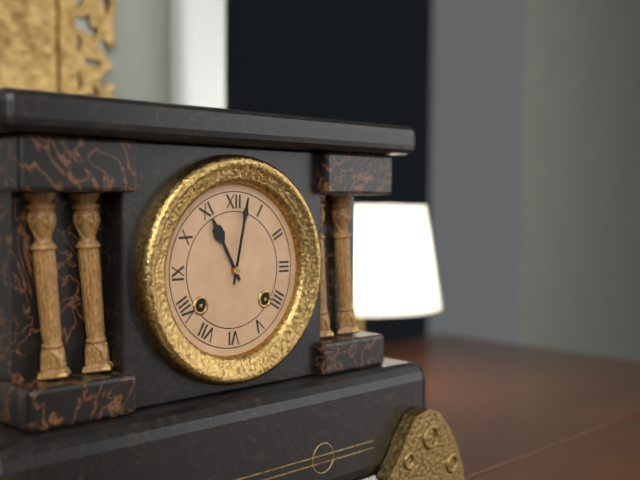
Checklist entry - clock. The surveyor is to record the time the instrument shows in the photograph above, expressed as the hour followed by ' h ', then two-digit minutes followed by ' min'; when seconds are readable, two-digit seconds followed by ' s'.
11 h 02 min
